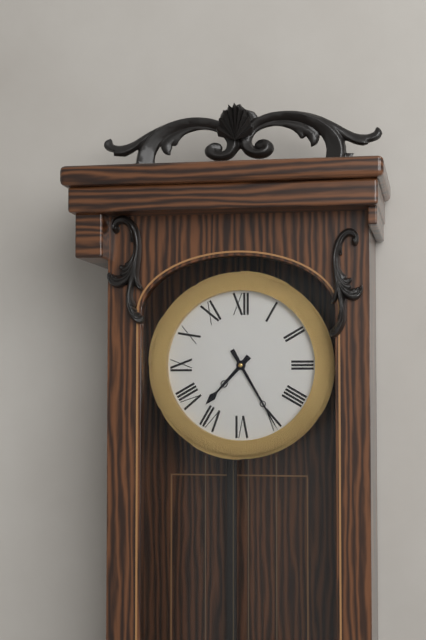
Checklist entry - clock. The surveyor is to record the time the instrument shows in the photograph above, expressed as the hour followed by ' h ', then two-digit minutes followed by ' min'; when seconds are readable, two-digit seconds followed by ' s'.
7 h 25 min
